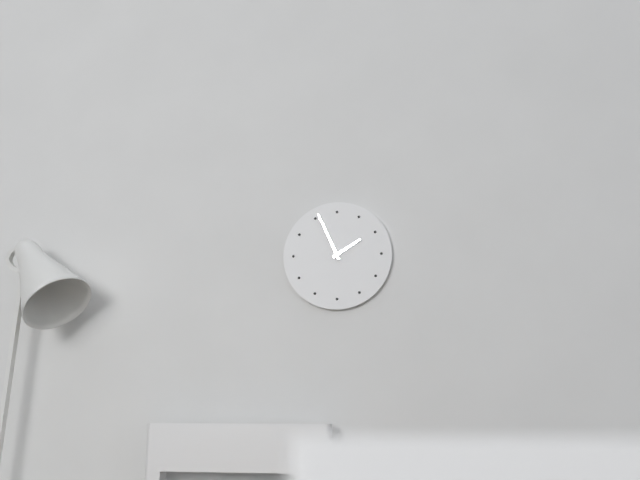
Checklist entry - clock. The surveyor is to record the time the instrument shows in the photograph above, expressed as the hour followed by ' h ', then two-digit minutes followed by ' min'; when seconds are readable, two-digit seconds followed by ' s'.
1 h 56 min
